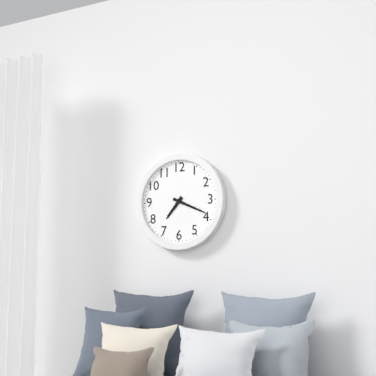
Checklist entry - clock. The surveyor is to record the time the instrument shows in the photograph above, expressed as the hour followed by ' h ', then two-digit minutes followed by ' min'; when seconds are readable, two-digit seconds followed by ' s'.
7 h 19 min
